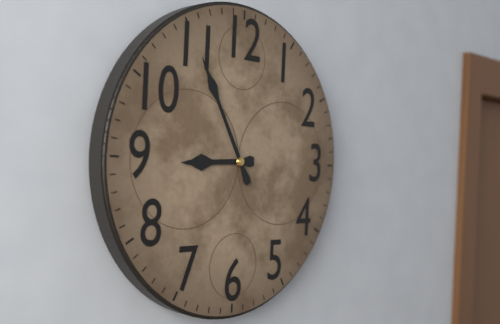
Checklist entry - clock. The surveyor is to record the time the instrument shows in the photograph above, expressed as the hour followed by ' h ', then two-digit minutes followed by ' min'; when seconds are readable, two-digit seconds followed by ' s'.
8 h 55 min
